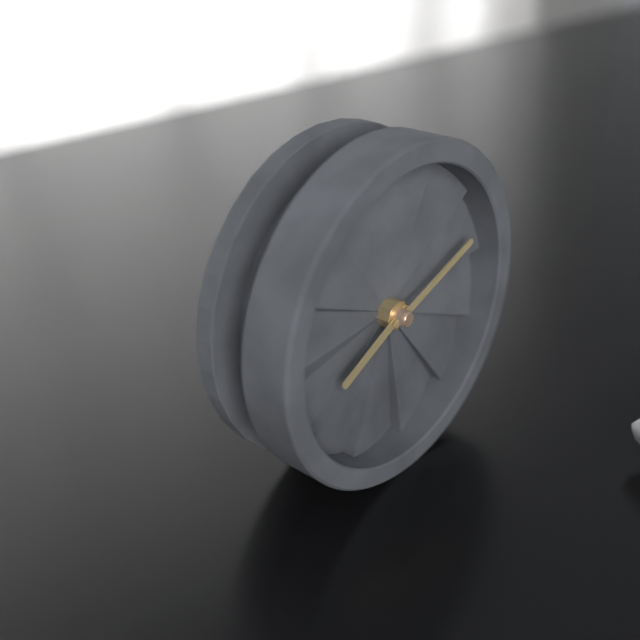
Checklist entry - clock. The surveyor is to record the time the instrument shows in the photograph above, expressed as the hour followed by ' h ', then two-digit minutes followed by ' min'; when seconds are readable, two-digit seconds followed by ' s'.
8 h 12 min
